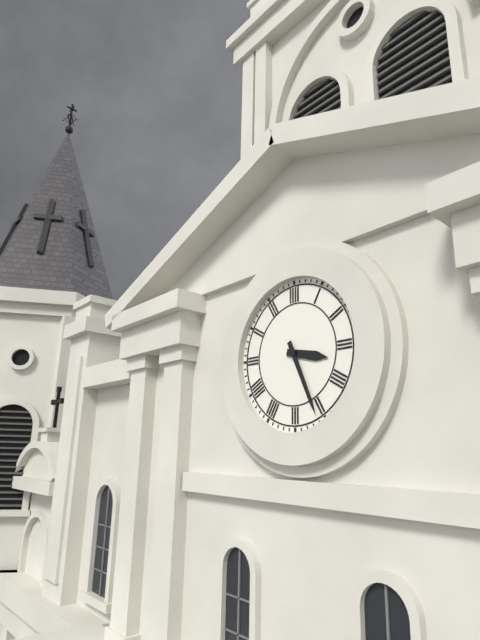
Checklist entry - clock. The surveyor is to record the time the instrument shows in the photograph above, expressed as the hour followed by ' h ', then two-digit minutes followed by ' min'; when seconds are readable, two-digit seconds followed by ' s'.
3 h 26 min
